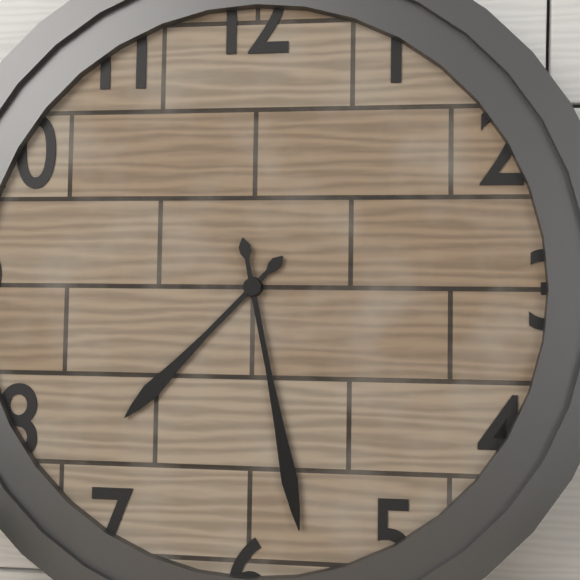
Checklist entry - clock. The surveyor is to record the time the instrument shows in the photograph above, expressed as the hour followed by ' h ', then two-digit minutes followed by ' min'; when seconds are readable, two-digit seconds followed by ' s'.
7 h 28 min
